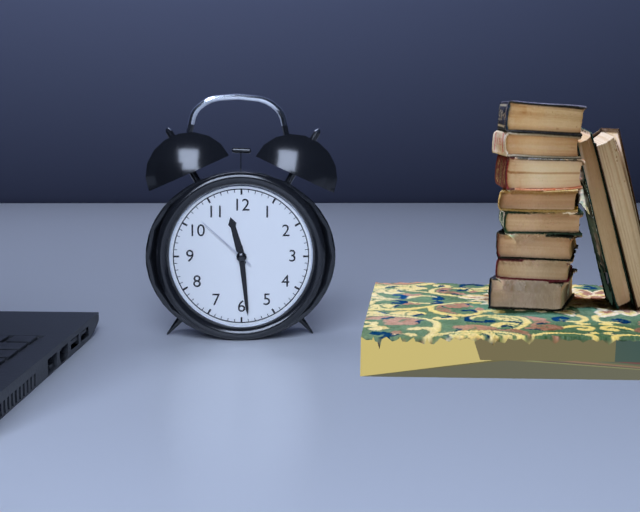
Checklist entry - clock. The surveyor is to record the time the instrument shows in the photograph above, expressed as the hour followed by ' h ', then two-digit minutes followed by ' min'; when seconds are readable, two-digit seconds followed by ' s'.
11 h 29 min 52 s
